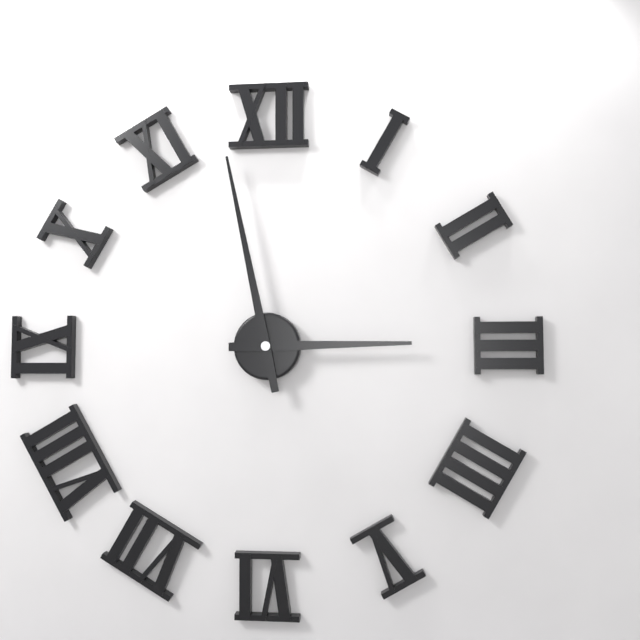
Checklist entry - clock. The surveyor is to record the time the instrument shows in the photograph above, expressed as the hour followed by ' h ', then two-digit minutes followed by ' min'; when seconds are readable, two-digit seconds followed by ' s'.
2 h 58 min
